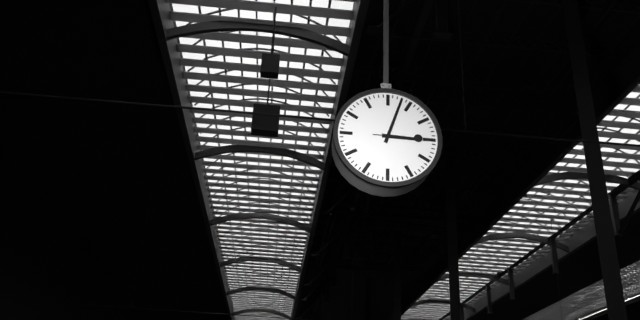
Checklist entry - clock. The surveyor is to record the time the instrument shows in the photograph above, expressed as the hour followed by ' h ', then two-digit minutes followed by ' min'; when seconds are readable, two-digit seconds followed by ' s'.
3 h 03 min
